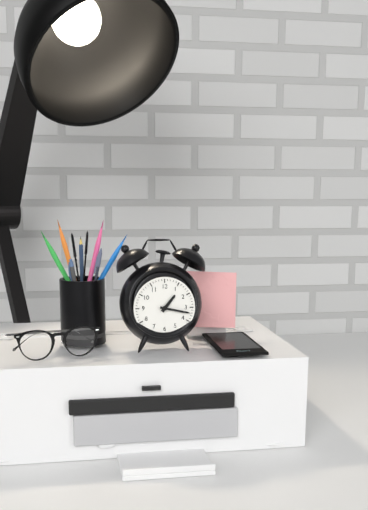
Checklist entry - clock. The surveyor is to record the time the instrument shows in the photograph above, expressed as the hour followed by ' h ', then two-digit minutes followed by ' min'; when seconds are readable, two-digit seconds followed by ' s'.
1 h 17 min
